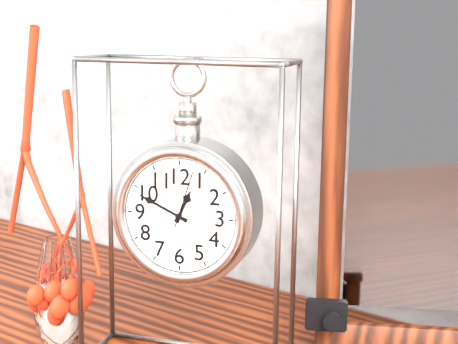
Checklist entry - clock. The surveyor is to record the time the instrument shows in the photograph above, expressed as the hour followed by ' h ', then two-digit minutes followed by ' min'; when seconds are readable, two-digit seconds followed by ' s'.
12 h 49 min 03 s
